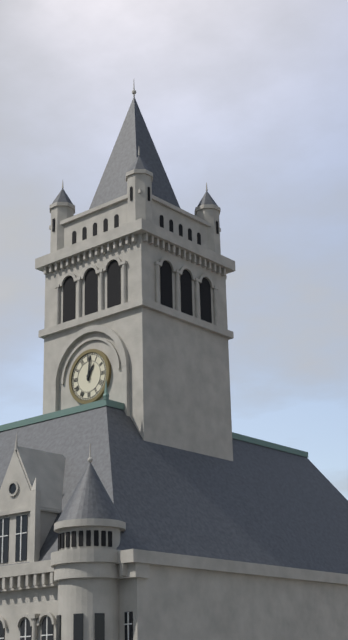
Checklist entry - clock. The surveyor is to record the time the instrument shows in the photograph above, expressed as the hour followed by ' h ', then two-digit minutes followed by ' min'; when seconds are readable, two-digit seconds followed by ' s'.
1 h 01 min
